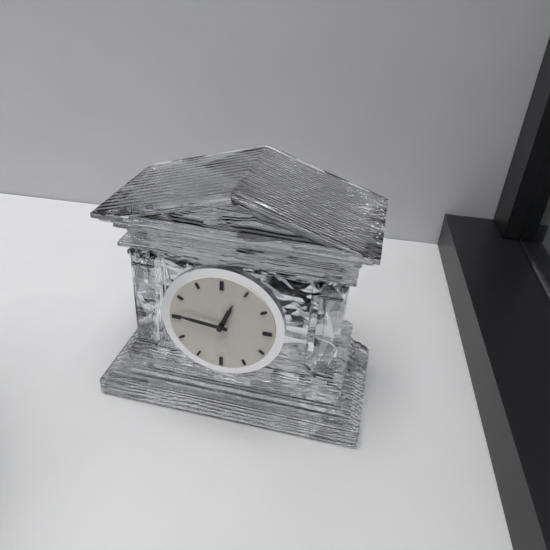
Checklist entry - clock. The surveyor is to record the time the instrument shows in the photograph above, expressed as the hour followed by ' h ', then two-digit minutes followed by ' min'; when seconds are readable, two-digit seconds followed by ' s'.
12 h 46 min
